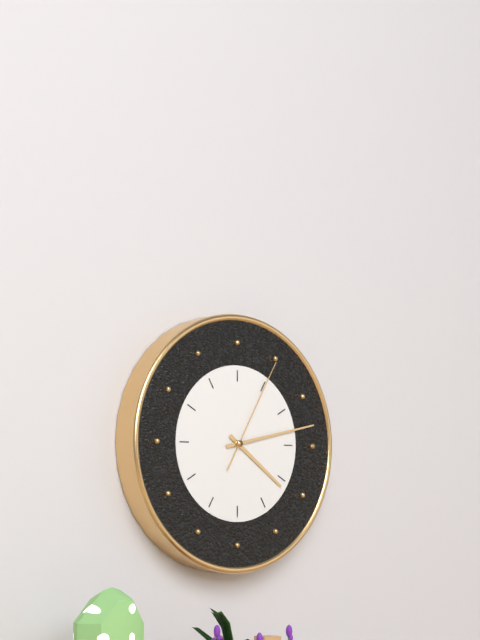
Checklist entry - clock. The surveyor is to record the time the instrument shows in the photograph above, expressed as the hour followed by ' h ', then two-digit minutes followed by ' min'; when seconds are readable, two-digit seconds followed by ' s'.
4 h 13 min 05 s
